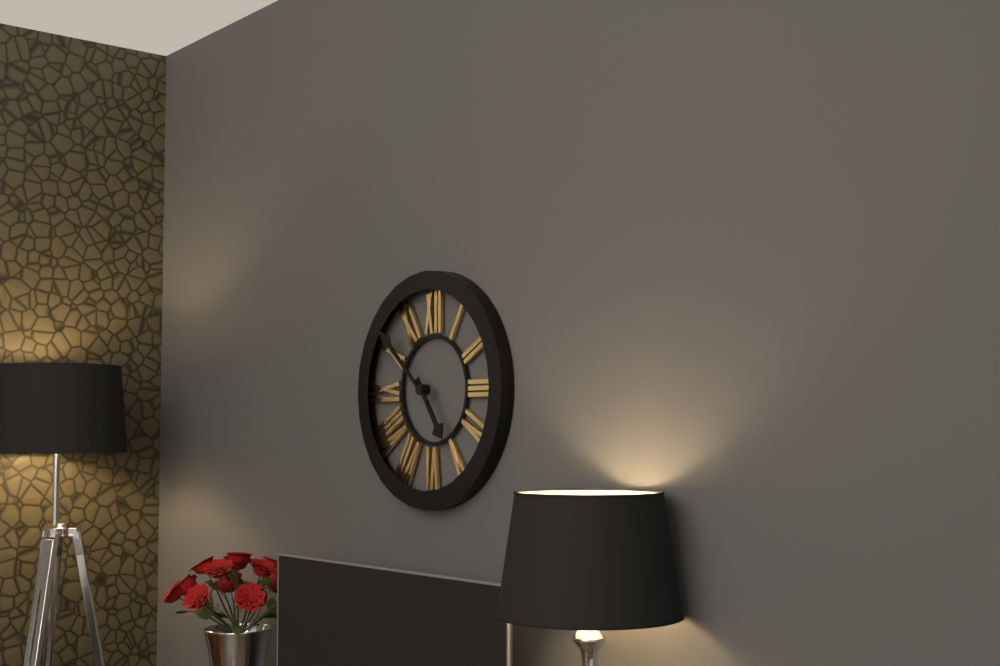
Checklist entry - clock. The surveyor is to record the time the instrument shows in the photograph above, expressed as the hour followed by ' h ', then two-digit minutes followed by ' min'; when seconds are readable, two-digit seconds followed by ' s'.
4 h 52 min
